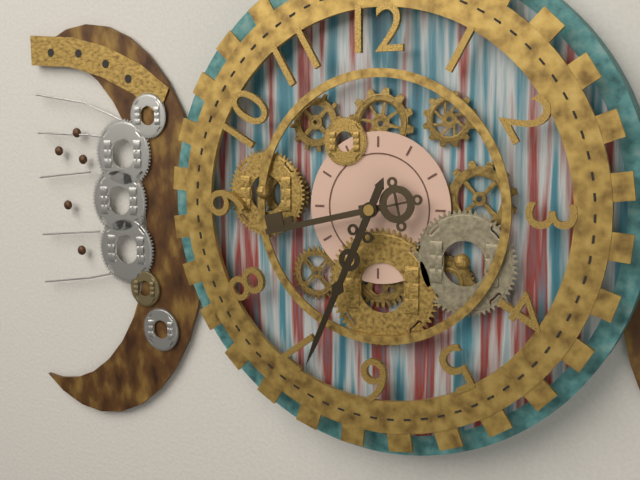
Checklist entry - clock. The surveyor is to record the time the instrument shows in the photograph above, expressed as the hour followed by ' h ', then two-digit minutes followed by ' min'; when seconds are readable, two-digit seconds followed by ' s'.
8 h 34 min
